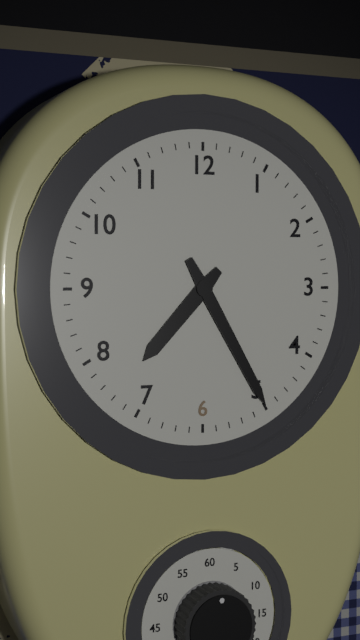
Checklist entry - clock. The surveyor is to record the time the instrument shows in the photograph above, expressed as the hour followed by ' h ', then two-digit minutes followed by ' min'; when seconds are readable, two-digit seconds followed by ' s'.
7 h 25 min
